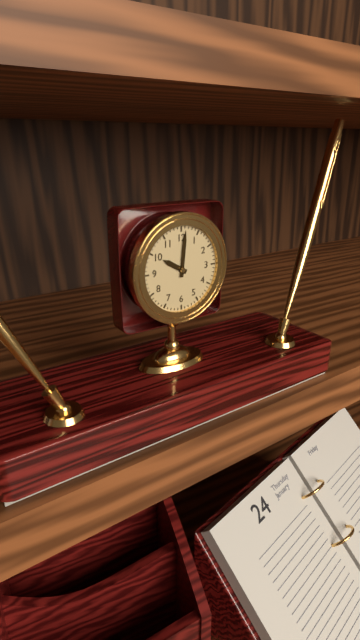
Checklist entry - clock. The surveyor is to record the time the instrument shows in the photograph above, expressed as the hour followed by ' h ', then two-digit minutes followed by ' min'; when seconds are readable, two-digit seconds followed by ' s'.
10 h 01 min
